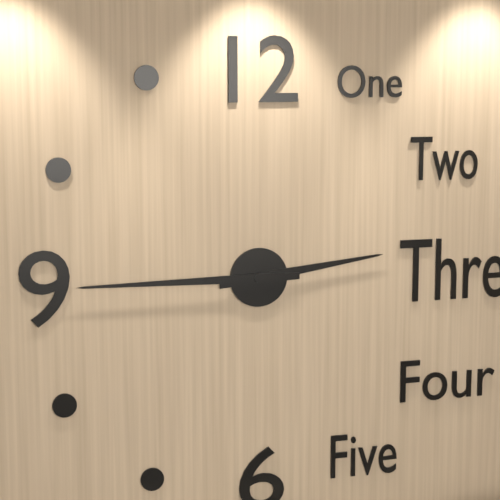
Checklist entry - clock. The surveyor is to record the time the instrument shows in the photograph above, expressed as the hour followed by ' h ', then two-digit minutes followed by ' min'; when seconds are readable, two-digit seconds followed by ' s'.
2 h 45 min
